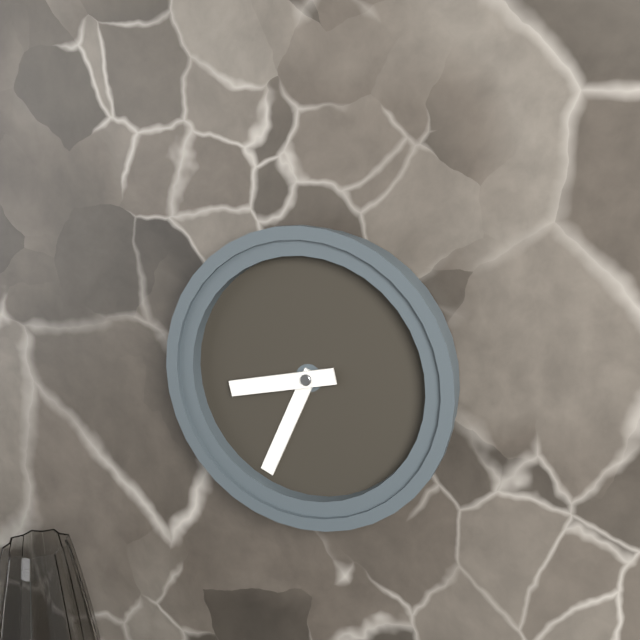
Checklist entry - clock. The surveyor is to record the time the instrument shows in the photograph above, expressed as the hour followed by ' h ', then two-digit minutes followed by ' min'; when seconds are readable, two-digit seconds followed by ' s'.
8 h 34 min
